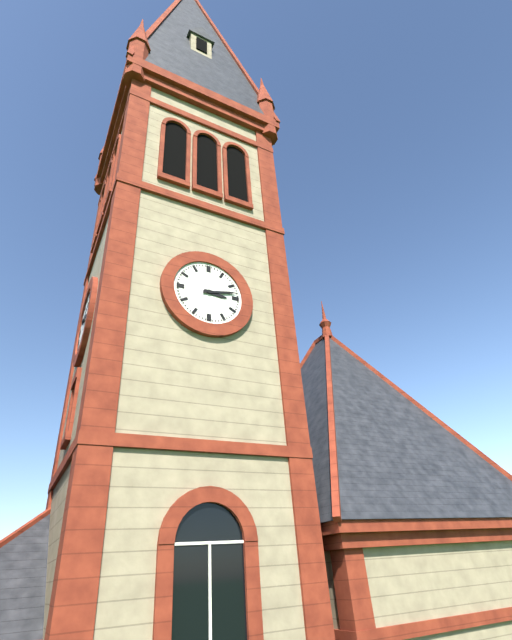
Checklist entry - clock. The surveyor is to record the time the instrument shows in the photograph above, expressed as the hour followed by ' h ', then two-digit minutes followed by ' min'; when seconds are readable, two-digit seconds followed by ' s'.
3 h 13 min
